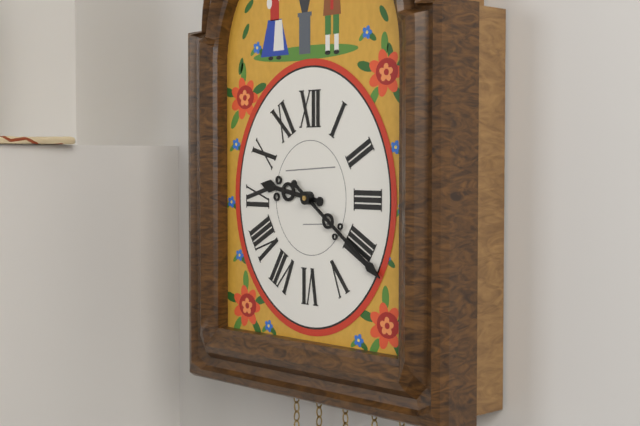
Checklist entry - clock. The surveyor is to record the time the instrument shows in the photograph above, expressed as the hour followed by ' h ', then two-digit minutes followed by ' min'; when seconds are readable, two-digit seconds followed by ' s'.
9 h 21 min
